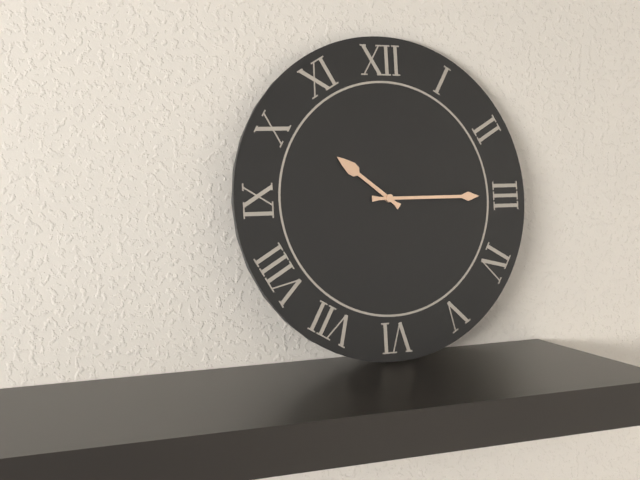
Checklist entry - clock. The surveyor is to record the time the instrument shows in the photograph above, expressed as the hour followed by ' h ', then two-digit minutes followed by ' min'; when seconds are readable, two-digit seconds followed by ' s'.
10 h 15 min
